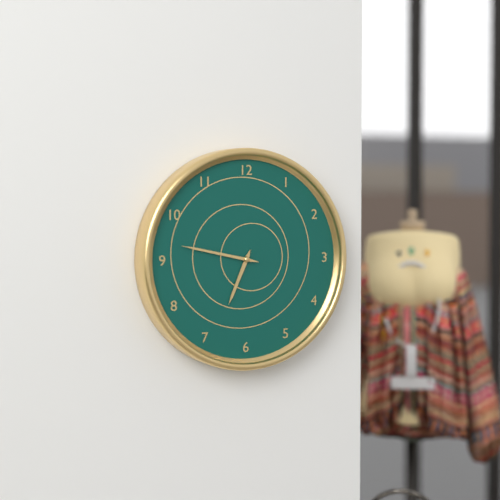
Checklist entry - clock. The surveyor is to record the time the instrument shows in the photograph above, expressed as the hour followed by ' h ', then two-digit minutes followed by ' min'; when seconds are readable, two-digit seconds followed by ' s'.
6 h 47 min
